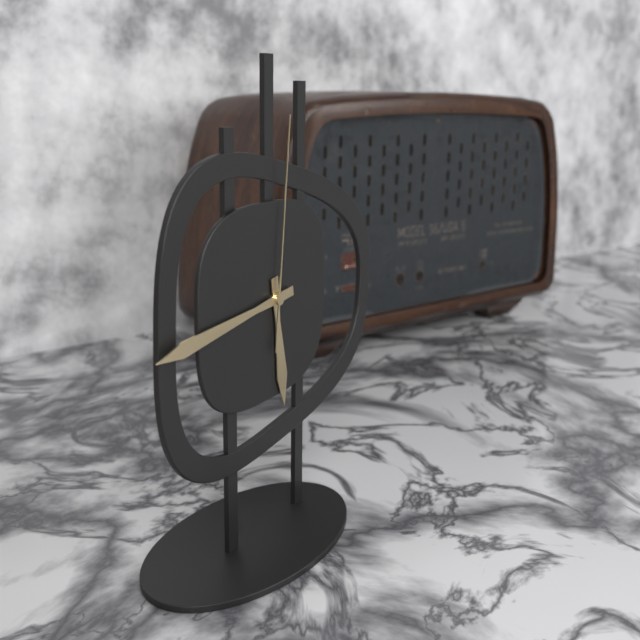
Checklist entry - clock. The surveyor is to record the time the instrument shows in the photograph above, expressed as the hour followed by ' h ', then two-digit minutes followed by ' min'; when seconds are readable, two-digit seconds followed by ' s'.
5 h 44 min 01 s
